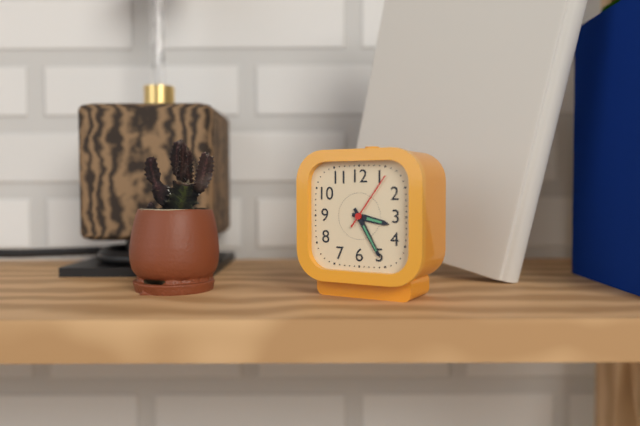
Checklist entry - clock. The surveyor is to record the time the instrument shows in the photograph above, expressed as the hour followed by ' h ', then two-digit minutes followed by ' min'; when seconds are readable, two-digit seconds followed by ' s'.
3 h 25 min 06 s
